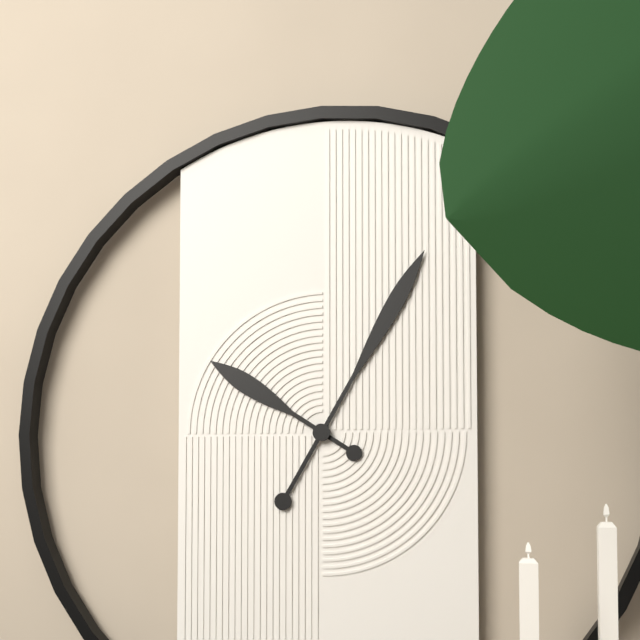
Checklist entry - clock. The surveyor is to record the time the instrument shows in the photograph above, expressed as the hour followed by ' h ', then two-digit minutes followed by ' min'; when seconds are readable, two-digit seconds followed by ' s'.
10 h 05 min
